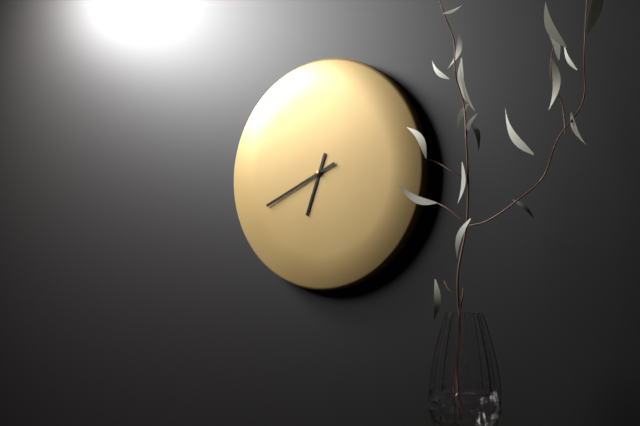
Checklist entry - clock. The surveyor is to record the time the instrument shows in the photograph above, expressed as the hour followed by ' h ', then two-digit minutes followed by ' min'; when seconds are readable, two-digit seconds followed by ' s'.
6 h 41 min
